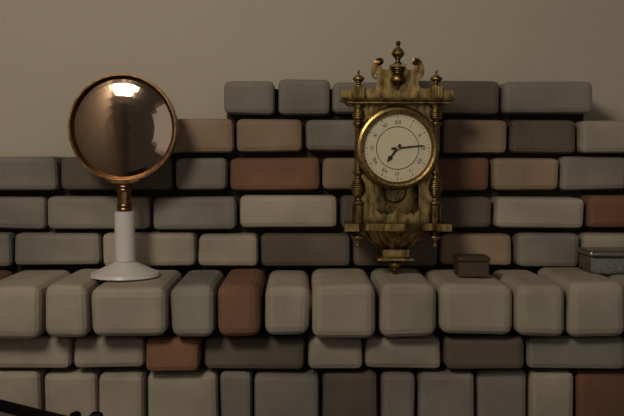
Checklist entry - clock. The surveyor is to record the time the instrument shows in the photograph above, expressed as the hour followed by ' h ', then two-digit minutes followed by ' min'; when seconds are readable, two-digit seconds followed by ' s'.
7 h 14 min
